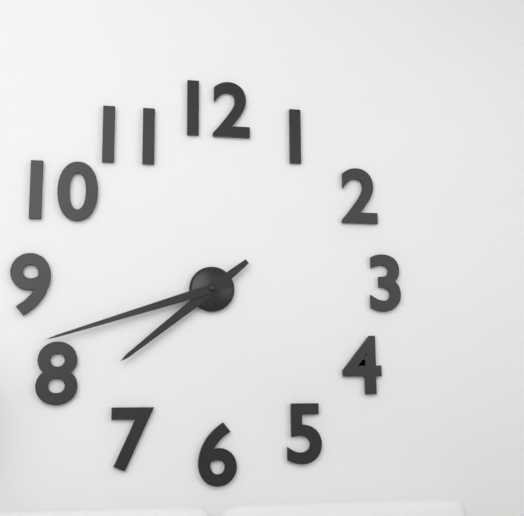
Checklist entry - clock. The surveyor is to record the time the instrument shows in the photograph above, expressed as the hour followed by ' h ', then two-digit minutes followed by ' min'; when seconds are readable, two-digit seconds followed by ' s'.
7 h 42 min
